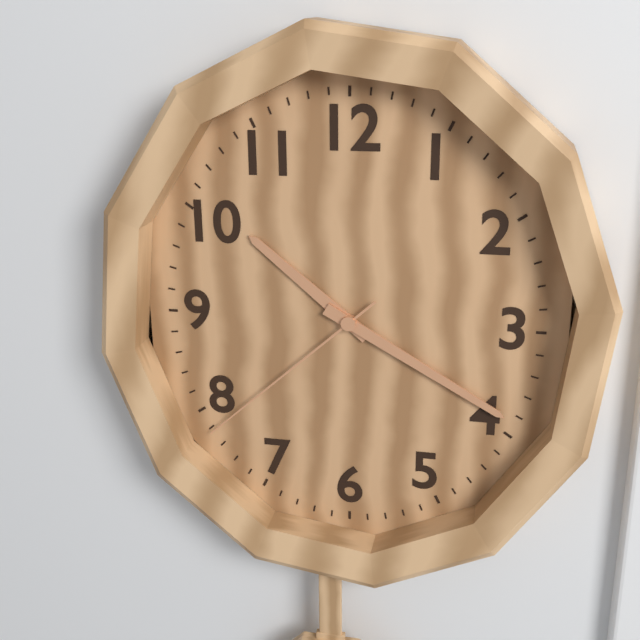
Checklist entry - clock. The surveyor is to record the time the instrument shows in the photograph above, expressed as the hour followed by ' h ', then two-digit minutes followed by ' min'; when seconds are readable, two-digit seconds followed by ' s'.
10 h 20 min 38 s
